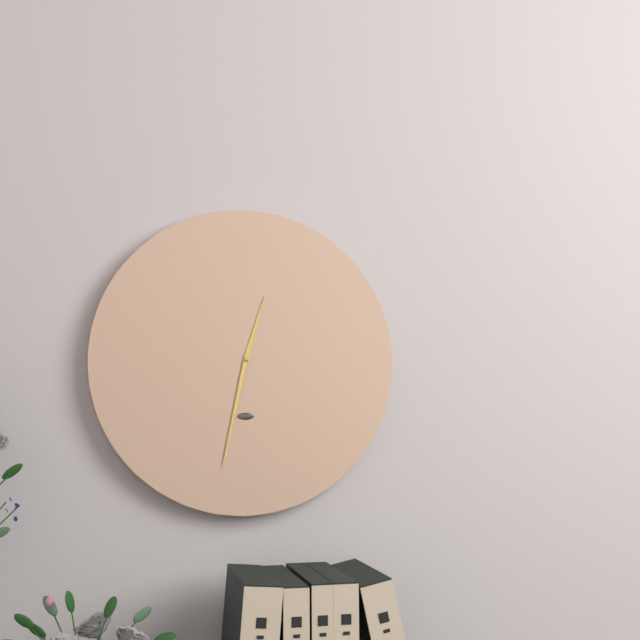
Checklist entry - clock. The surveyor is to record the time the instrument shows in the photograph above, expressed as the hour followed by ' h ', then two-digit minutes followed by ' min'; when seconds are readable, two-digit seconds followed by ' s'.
12 h 32 min
